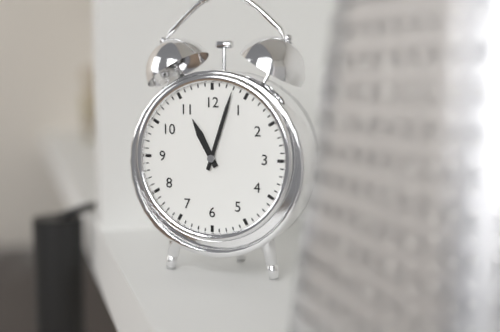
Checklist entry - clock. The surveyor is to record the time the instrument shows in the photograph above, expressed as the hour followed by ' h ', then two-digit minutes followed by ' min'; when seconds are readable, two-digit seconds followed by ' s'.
11 h 03 min
